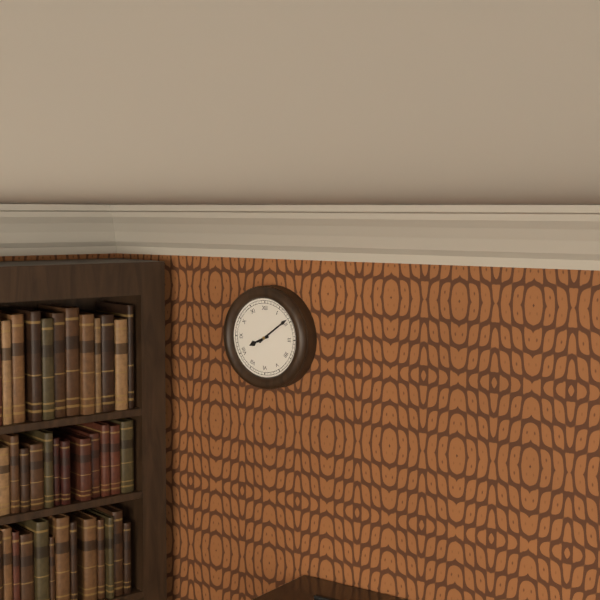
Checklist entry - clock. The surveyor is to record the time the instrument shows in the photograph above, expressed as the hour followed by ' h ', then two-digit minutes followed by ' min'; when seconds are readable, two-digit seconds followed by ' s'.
8 h 09 min
